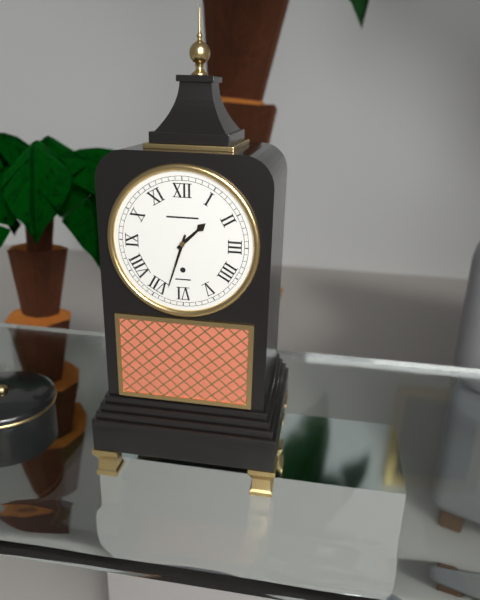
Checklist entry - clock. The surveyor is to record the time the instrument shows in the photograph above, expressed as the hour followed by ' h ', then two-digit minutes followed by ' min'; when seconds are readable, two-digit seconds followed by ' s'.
1 h 33 min
